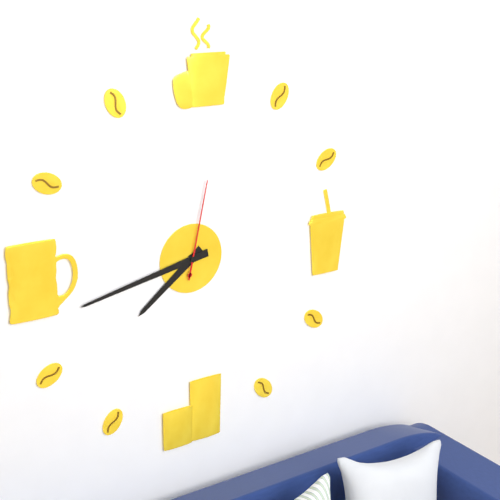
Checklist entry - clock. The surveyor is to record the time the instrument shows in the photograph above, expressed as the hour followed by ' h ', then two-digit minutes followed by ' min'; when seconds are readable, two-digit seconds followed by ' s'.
7 h 43 min 02 s
